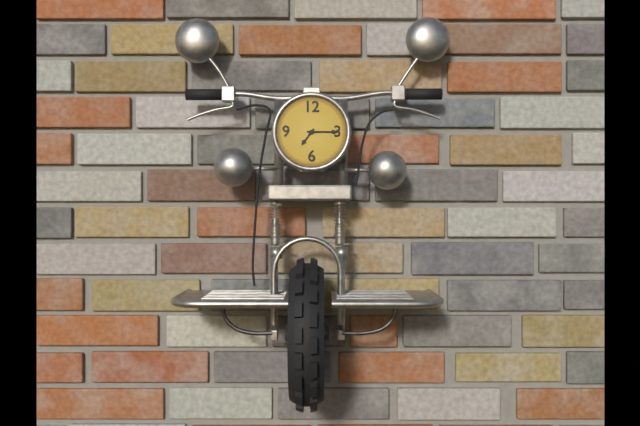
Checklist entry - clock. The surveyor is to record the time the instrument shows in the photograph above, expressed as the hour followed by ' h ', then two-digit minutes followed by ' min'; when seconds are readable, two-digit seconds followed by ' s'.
7 h 15 min
